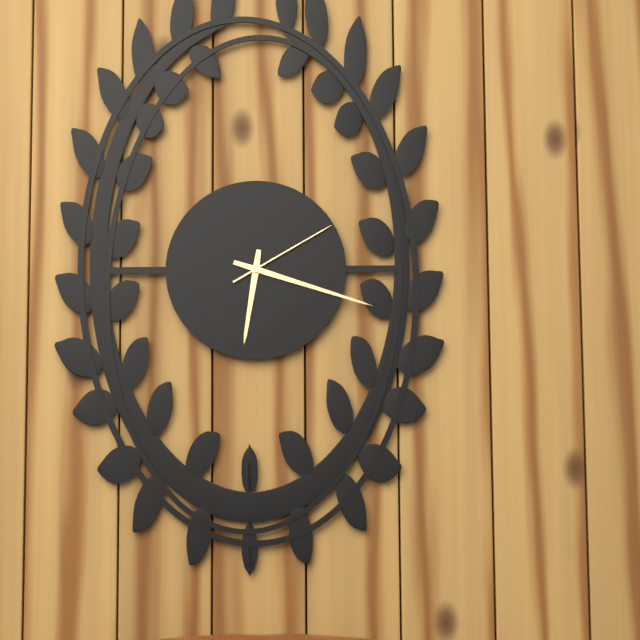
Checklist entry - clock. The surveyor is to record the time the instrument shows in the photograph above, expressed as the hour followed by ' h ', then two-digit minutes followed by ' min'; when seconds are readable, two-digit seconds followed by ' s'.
6 h 18 min 10 s
